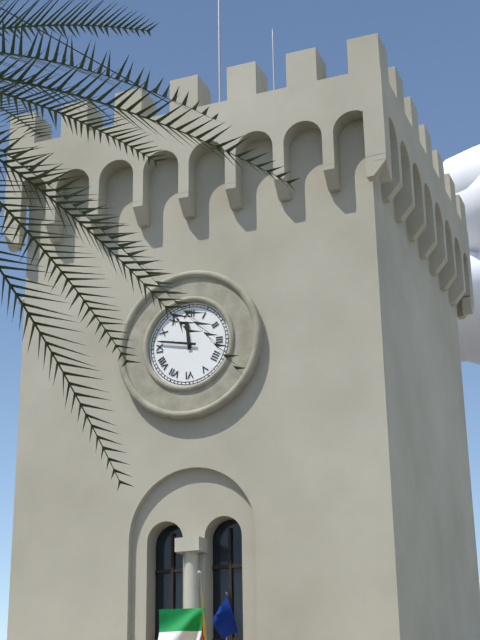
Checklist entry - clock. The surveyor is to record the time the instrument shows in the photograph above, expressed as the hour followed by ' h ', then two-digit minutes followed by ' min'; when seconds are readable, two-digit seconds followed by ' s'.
11 h 47 min
